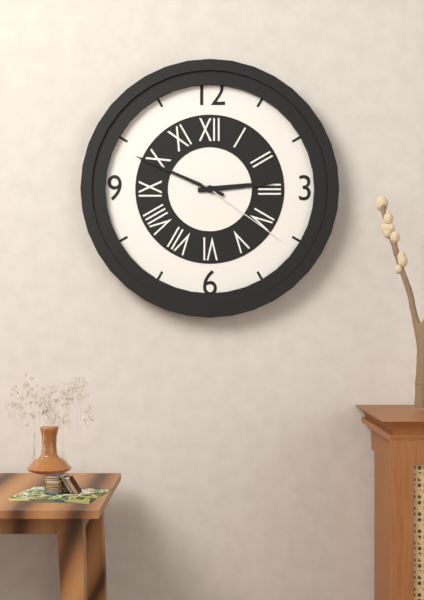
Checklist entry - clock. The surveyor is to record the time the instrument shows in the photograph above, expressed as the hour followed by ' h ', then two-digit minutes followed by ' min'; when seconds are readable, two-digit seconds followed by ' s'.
2 h 49 min 21 s
